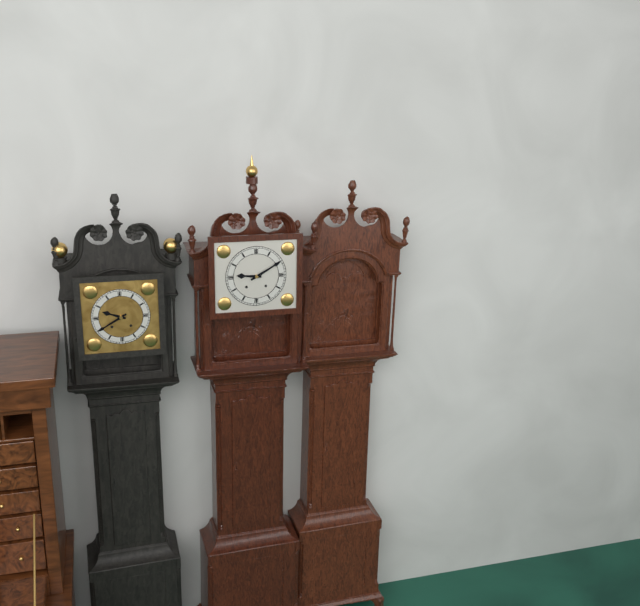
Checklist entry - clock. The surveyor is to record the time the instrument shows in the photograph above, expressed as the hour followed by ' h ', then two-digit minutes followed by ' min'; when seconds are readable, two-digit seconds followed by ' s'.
9 h 10 min
